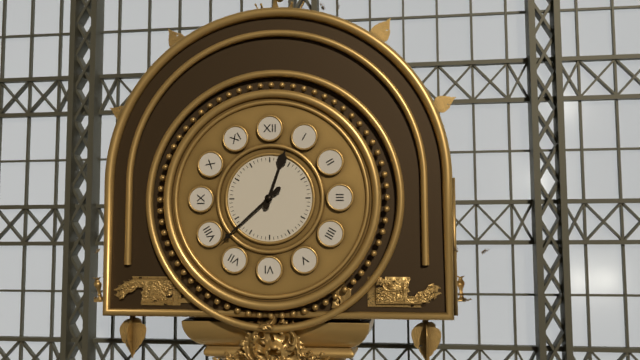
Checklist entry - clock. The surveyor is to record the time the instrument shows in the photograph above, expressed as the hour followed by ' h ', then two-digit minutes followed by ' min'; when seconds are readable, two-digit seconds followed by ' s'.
12 h 38 min
